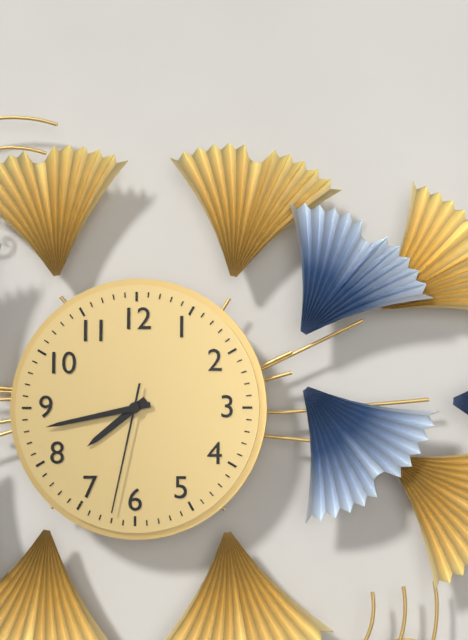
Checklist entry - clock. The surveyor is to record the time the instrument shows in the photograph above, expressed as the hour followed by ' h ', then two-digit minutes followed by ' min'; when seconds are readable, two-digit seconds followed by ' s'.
7 h 43 min 32 s
